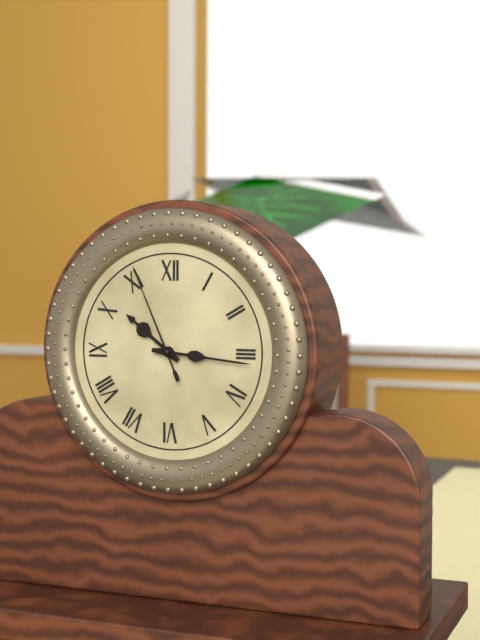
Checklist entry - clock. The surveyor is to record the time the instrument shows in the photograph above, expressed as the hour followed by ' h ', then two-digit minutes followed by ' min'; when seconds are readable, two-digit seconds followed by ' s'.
10 h 16 min 56 s
